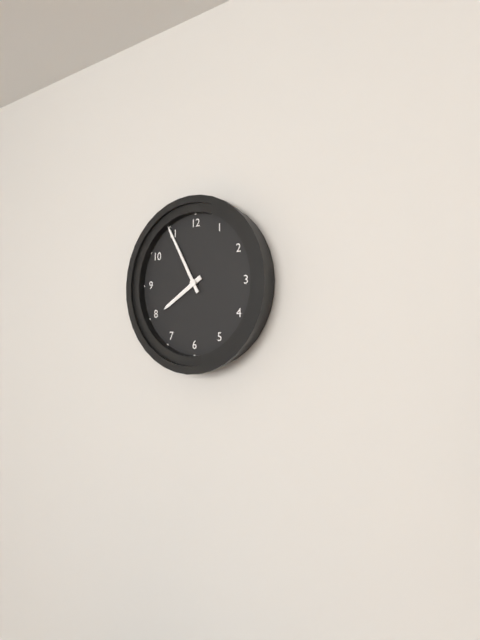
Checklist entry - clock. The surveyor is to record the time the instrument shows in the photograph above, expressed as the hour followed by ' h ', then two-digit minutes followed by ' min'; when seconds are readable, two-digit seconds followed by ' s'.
7 h 55 min
